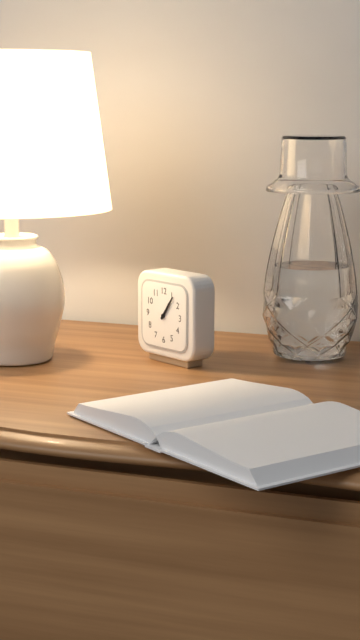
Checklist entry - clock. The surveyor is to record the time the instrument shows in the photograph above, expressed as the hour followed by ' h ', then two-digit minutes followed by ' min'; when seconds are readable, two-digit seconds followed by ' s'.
1 h 06 min
